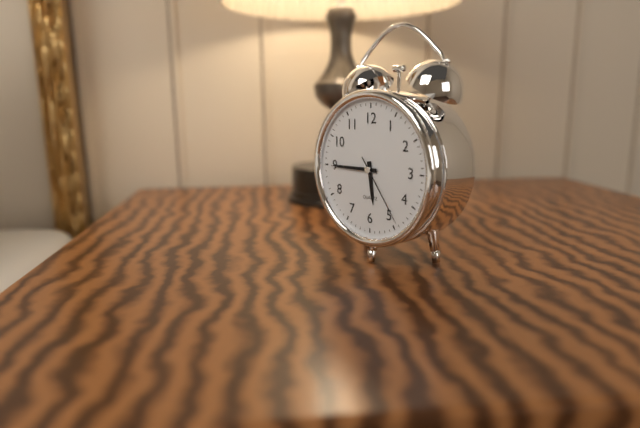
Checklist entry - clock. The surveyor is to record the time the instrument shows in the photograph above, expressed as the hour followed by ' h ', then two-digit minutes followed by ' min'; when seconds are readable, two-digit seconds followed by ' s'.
5 h 45 min 24 s
